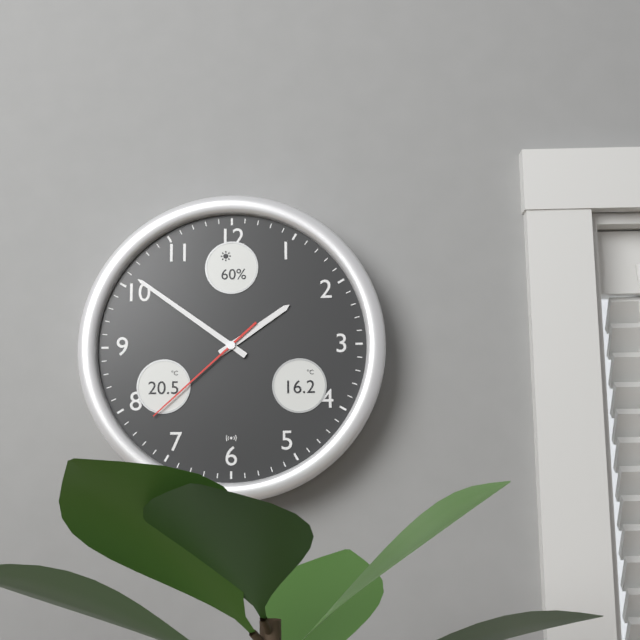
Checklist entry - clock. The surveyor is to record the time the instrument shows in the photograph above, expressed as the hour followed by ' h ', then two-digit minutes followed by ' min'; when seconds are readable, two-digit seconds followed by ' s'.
1 h 51 min 38 s
